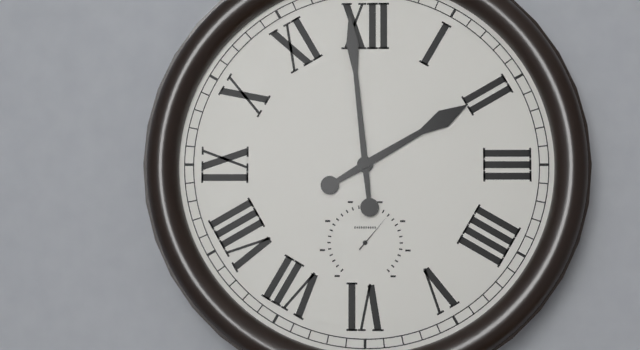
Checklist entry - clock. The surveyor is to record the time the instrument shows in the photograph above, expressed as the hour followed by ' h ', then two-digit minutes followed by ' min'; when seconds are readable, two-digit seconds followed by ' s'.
1 h 59 min
